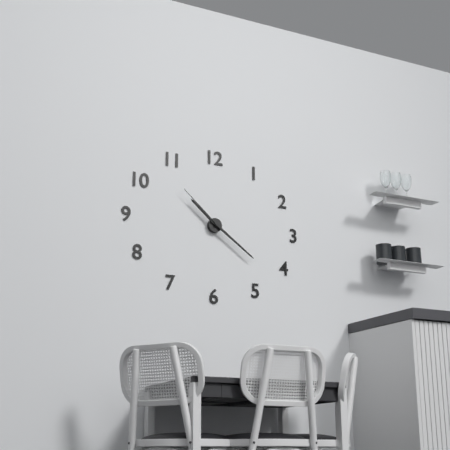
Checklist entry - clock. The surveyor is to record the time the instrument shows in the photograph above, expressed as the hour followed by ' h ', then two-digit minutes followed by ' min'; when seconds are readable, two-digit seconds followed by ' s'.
10 h 21 min 52 s
